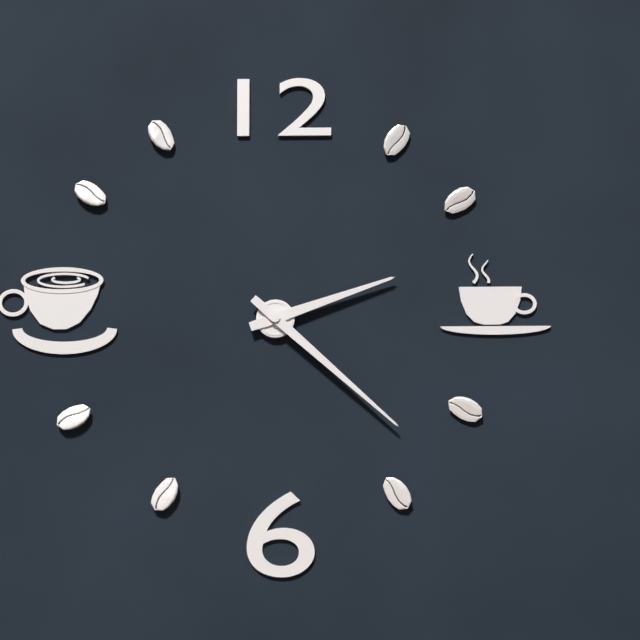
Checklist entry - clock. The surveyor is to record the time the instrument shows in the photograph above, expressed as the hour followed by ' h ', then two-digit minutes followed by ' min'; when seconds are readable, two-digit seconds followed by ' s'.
2 h 22 min
